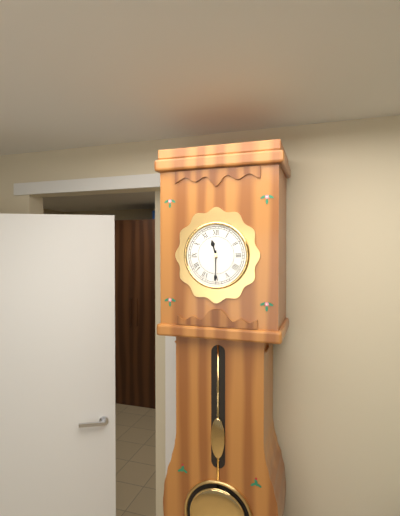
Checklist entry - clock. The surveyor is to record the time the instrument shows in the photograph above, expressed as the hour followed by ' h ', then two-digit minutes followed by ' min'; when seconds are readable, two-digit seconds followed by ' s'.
11 h 30 min
